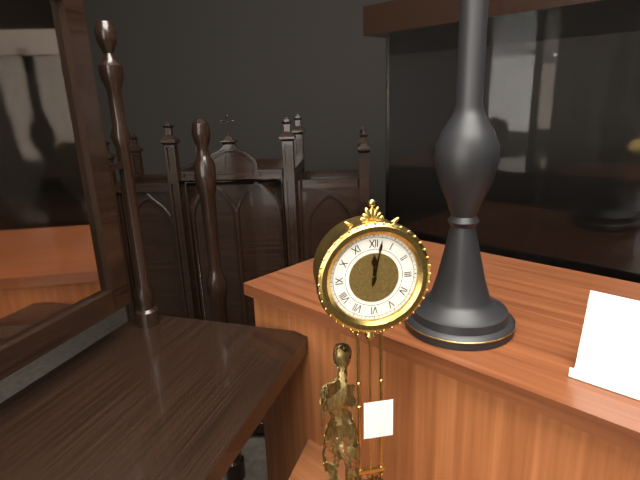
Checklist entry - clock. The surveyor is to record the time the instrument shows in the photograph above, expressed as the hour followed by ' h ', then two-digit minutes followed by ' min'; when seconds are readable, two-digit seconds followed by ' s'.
12 h 02 min
